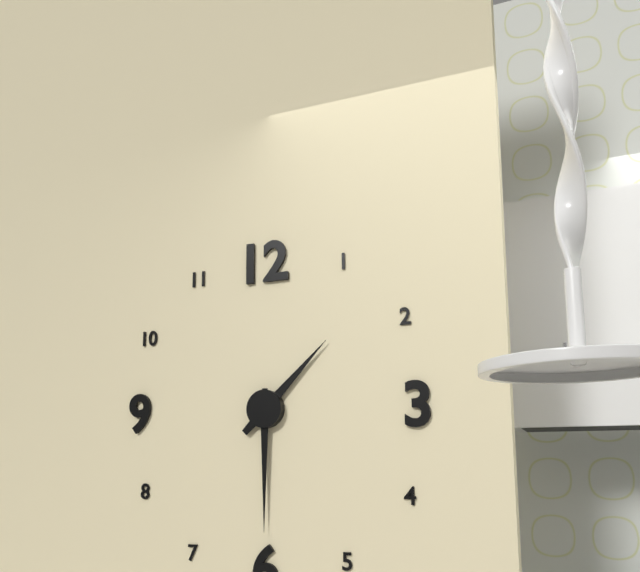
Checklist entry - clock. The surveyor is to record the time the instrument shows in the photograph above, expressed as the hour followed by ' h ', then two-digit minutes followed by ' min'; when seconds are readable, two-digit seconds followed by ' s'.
1 h 30 min
